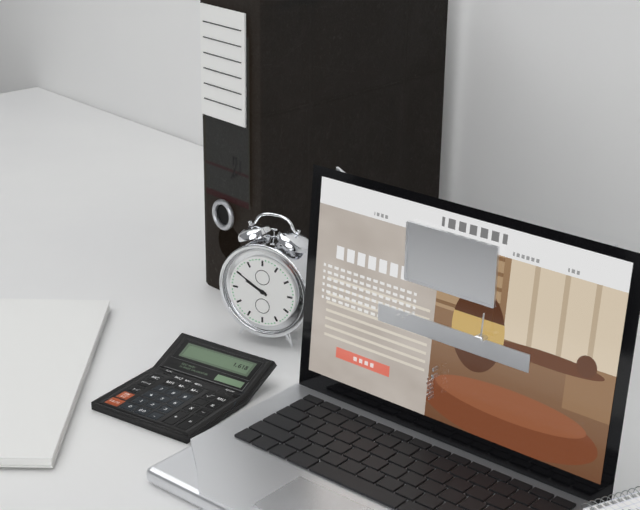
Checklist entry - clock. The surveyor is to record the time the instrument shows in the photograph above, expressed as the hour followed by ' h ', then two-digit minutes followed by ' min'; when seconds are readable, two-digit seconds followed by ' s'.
9 h 50 min
